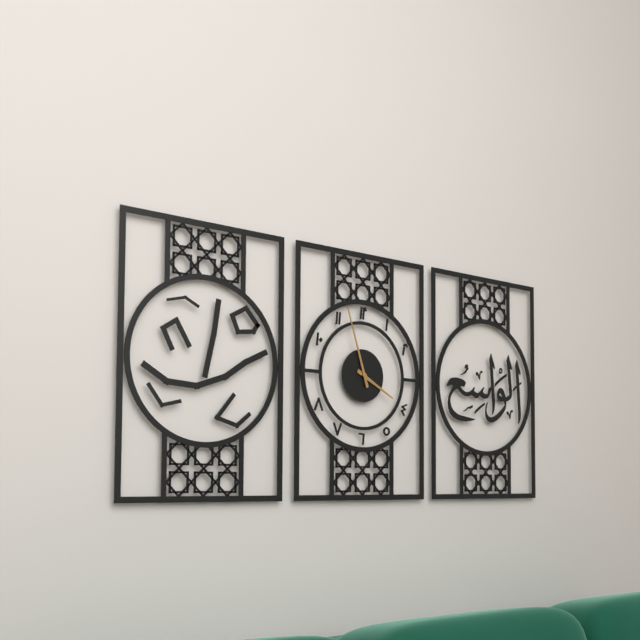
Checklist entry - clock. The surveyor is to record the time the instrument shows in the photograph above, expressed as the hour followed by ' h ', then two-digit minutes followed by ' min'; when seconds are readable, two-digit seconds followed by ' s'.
3 h 57 min
